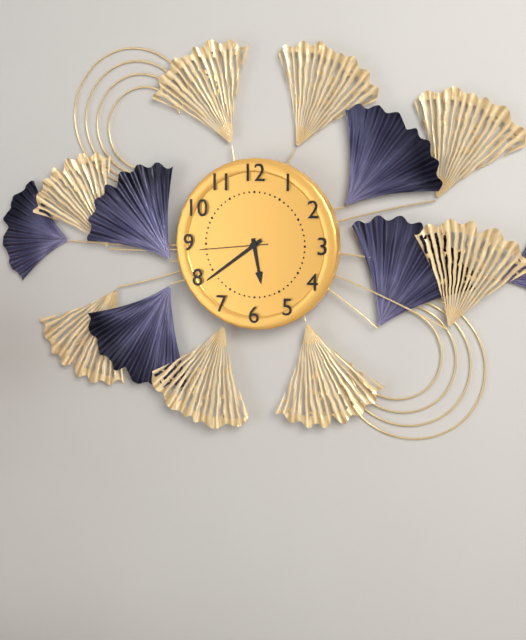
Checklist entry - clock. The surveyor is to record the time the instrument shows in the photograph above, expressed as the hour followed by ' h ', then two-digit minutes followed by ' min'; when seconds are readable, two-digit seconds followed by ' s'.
5 h 39 min 44 s
